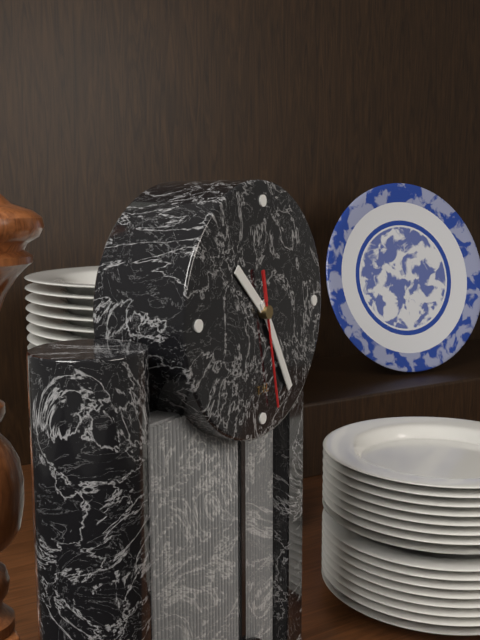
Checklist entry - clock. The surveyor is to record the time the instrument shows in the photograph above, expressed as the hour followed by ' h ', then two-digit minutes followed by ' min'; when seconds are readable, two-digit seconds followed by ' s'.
10 h 25 min 28 s
